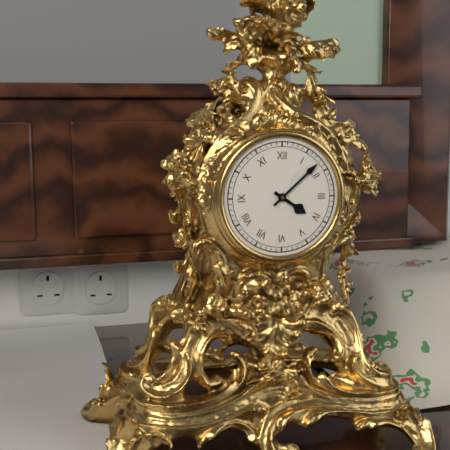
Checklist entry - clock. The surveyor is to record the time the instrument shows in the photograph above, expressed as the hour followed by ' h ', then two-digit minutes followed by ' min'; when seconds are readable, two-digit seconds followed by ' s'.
4 h 08 min
